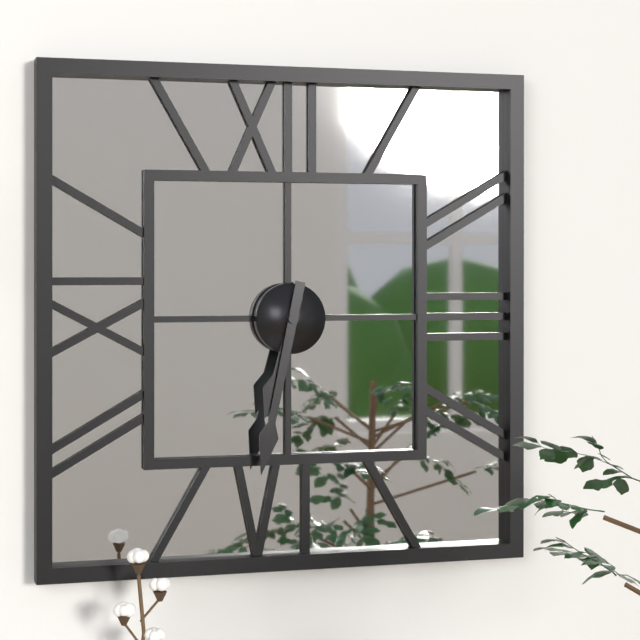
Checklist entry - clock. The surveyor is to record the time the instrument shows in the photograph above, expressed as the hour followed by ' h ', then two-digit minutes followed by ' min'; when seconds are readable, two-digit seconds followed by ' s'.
6 h 32 min
